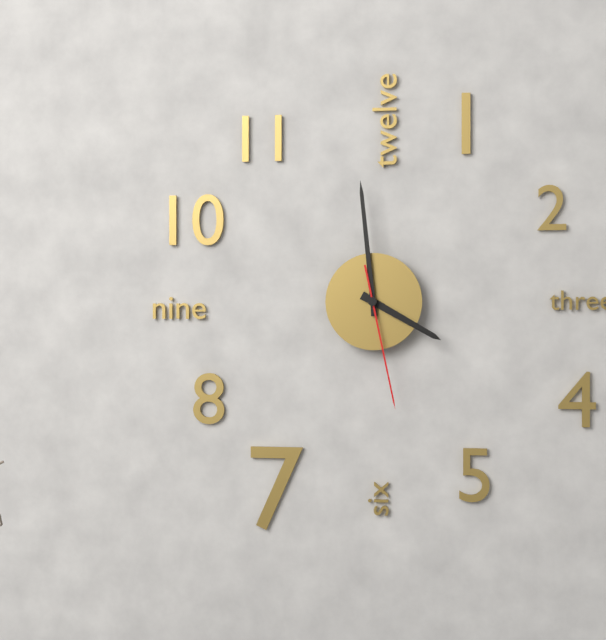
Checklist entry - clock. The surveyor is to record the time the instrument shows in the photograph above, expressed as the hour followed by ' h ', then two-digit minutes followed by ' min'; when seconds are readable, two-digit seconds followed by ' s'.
3 h 59 min 28 s
